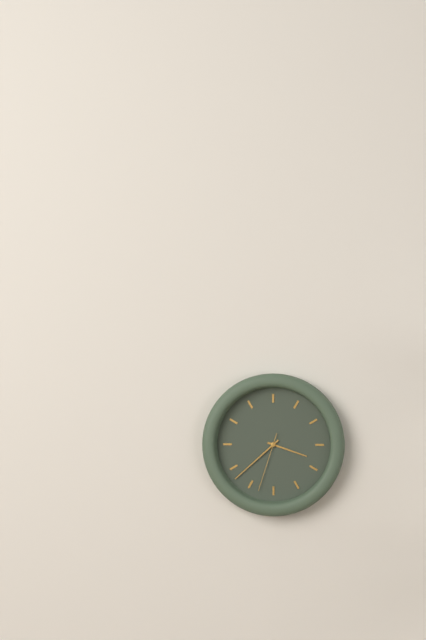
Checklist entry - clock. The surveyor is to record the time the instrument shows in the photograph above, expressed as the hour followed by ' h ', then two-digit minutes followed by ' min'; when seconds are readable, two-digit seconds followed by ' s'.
3 h 38 min 33 s
